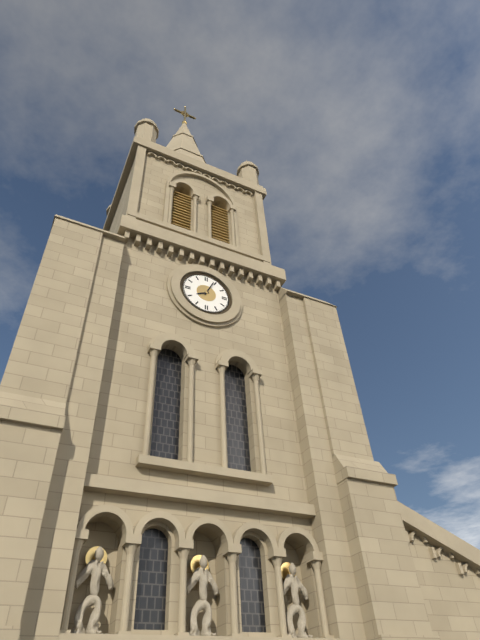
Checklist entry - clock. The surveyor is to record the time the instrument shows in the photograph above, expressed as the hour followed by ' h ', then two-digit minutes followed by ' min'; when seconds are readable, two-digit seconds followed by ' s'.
8 h 04 min
